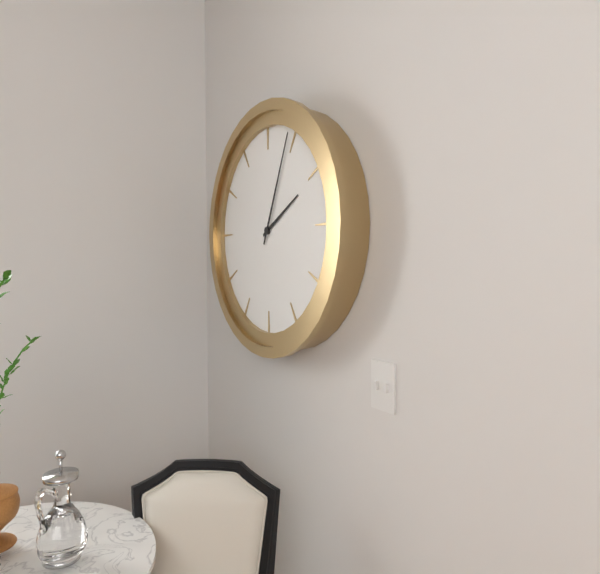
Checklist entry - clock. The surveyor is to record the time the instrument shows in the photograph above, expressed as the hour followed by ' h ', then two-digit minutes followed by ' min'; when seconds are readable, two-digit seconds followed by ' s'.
2 h 04 min
